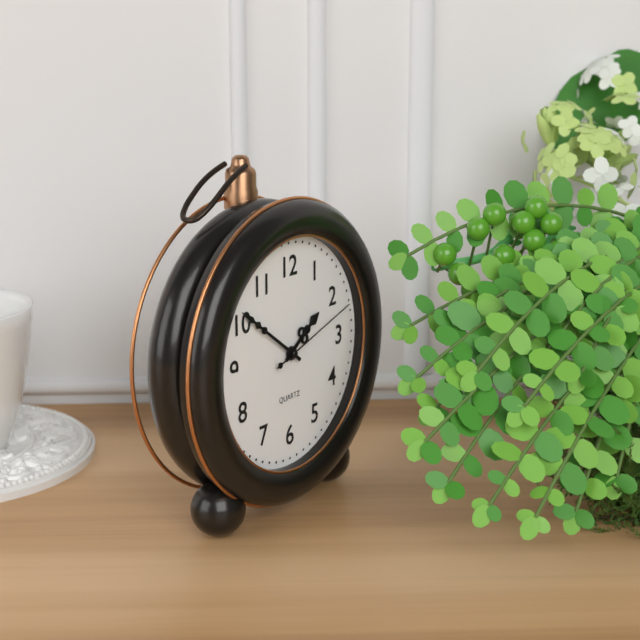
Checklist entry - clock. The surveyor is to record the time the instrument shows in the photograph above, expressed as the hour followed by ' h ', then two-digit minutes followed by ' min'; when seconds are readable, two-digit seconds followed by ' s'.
1 h 51 min 12 s
